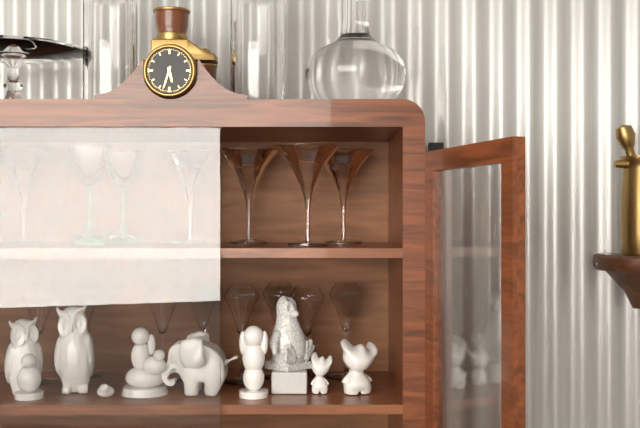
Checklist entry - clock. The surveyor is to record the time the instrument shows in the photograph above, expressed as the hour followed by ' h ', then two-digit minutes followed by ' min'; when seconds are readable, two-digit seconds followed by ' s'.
5 h 33 min
